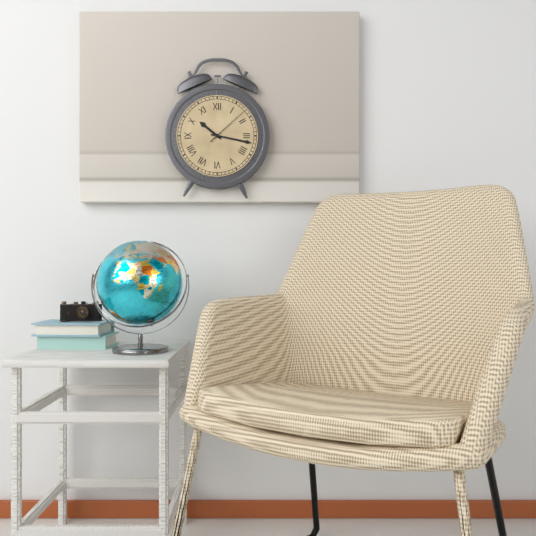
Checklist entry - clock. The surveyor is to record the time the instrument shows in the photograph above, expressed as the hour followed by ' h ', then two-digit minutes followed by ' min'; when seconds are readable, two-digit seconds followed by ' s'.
10 h 17 min
